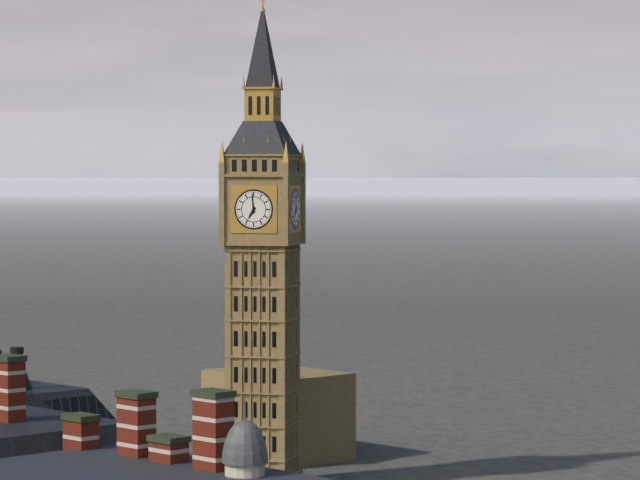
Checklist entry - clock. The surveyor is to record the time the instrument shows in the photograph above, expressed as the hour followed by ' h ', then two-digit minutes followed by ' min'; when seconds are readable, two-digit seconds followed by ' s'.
6 h 59 min
